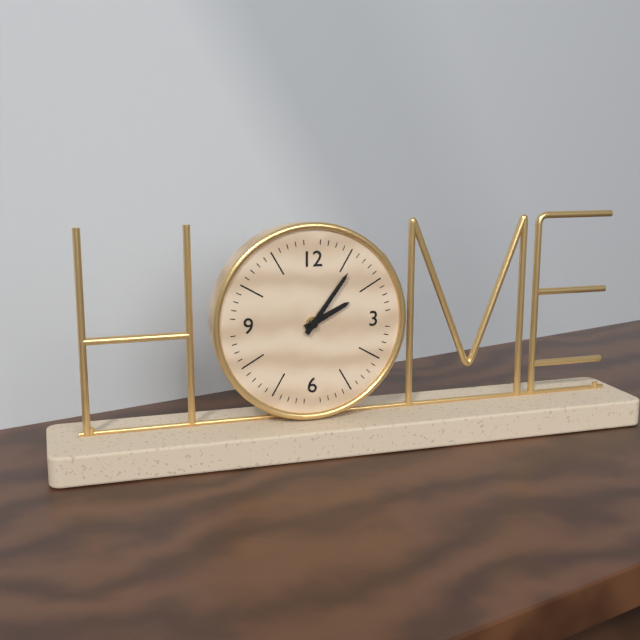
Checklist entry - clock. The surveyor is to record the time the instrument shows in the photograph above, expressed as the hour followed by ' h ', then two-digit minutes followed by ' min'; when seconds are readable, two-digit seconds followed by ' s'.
2 h 06 min
